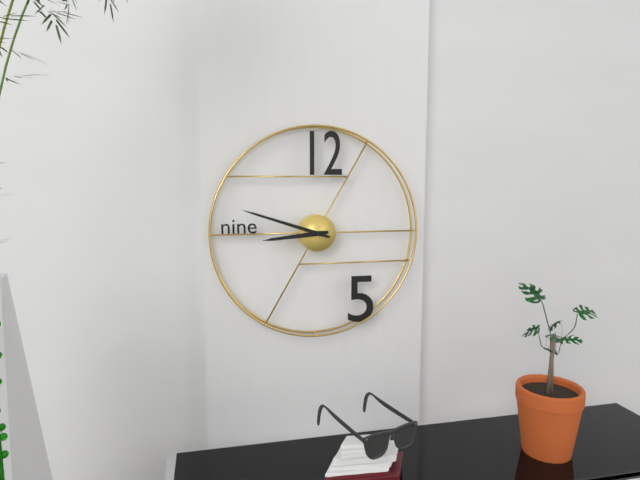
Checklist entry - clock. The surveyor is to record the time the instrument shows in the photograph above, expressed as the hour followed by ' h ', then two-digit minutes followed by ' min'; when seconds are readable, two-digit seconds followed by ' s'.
8 h 48 min
